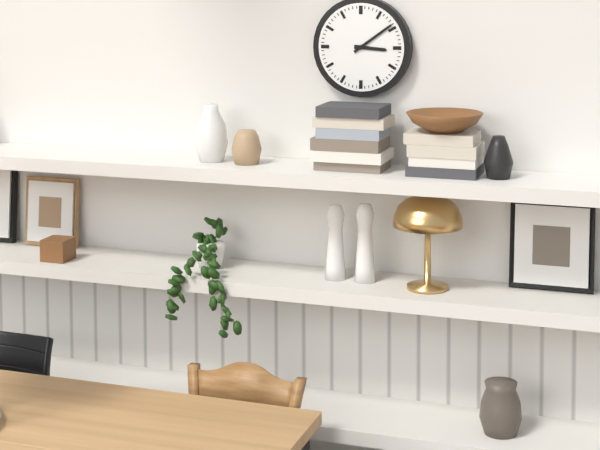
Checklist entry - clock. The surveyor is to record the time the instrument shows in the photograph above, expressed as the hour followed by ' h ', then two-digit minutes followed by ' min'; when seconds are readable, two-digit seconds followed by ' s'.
3 h 09 min
